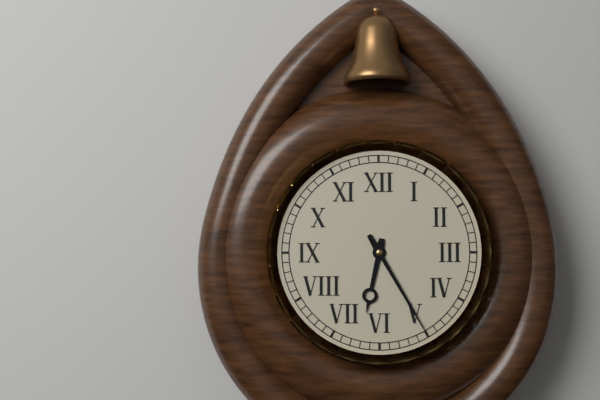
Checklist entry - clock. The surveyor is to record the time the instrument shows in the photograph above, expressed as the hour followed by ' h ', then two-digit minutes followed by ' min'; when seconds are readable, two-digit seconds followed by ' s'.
6 h 25 min
